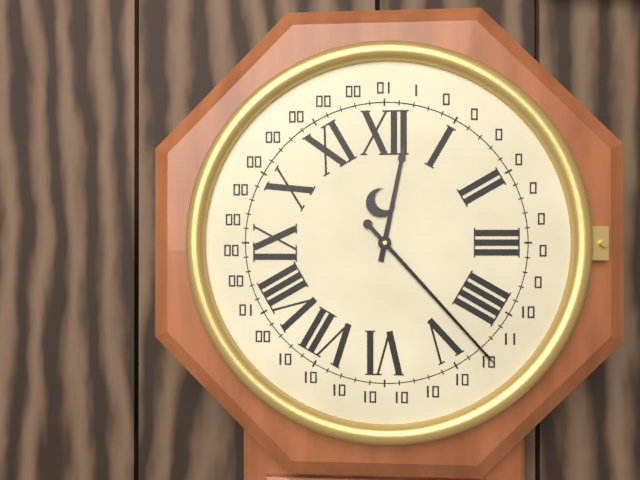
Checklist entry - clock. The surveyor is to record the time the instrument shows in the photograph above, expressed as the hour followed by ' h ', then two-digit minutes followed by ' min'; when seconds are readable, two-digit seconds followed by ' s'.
12 h 23 min
